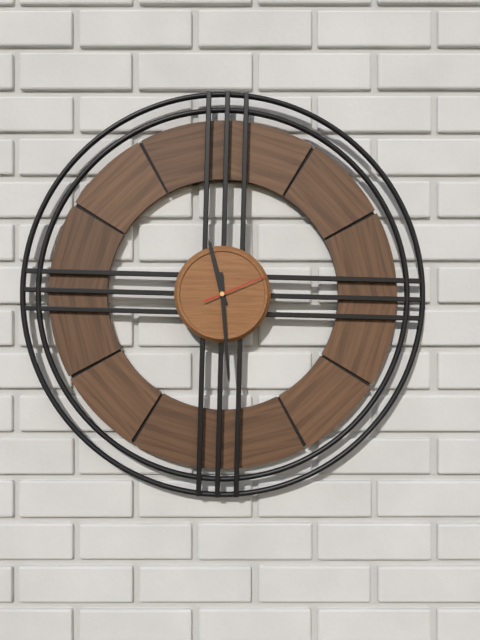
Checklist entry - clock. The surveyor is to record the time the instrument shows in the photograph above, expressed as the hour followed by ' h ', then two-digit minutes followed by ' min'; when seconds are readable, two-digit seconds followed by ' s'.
11 h 29 min 11 s
